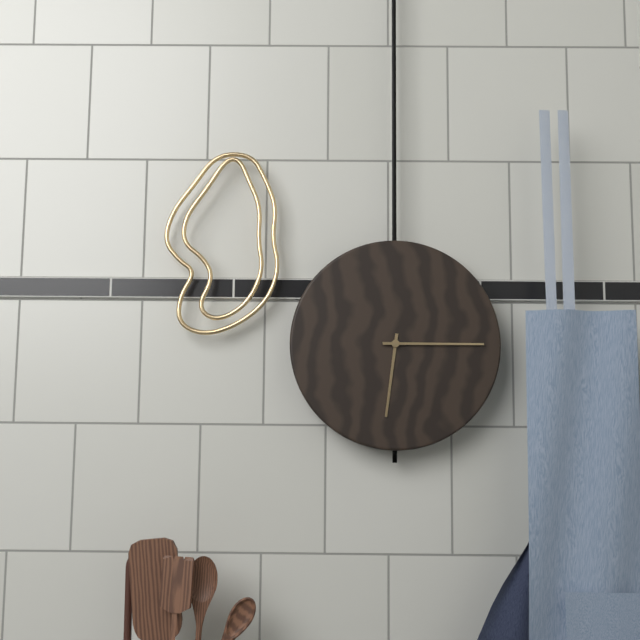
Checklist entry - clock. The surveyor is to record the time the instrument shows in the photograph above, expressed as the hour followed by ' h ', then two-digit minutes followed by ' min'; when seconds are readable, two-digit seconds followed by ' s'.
6 h 15 min
